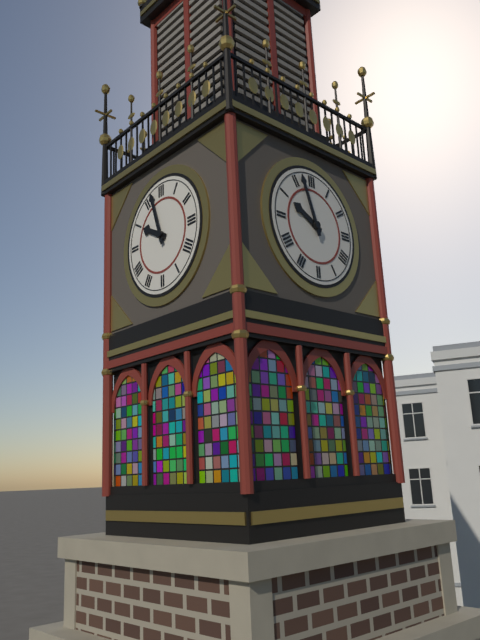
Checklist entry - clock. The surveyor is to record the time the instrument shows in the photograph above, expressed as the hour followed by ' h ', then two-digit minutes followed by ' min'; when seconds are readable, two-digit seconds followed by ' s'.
9 h 57 min
